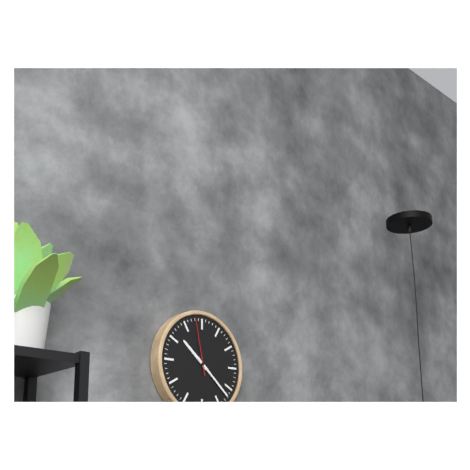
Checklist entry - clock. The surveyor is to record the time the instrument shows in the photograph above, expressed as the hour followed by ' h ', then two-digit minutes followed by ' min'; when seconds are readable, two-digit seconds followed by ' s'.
10 h 22 min 58 s
